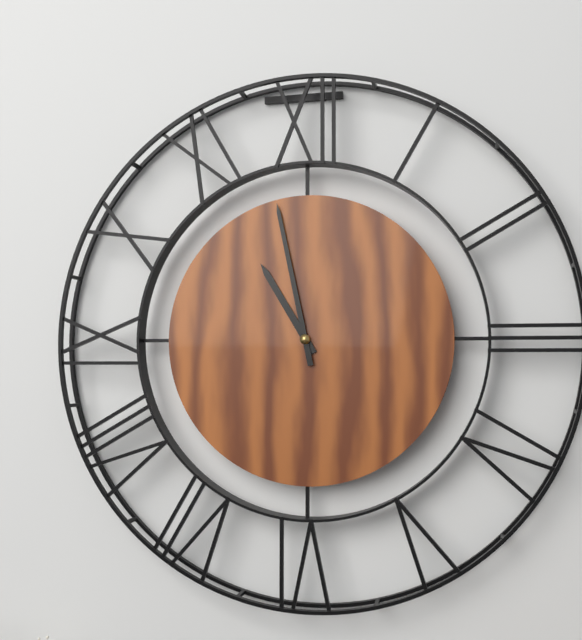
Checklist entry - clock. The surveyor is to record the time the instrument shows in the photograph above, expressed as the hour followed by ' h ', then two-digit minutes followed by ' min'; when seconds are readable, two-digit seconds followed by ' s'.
10 h 58 min
